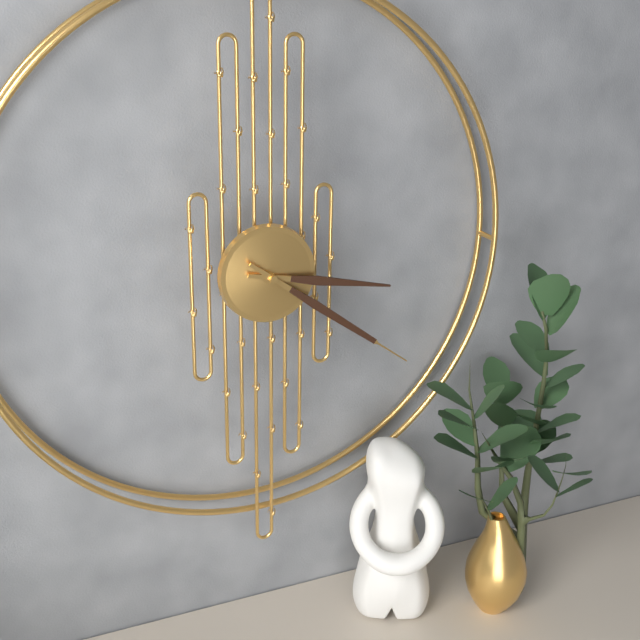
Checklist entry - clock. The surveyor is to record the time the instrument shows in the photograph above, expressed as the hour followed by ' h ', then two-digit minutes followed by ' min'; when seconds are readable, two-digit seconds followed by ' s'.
3 h 21 min
